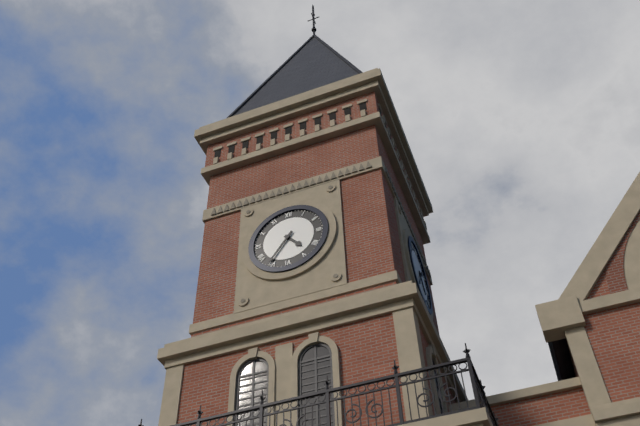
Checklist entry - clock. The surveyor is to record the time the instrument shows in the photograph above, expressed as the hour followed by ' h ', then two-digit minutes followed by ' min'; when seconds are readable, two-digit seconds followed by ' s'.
4 h 36 min
